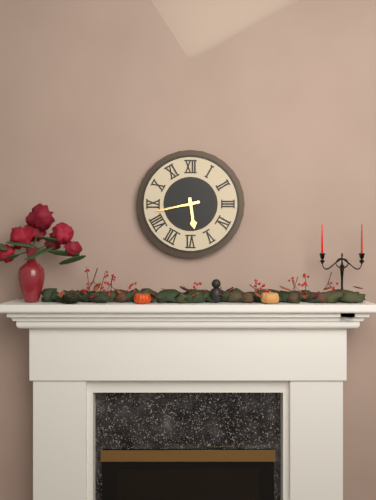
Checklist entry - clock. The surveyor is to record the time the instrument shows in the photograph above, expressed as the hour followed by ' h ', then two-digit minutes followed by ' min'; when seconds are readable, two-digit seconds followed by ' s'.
5 h 43 min
